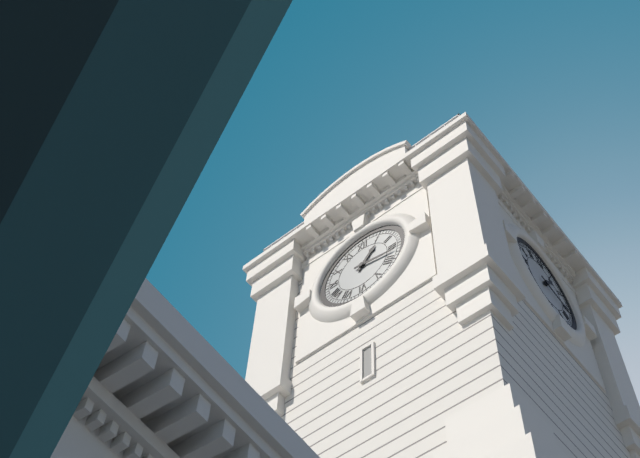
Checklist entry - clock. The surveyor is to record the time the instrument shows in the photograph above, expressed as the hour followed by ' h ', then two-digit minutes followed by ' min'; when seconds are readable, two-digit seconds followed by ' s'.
1 h 17 min
